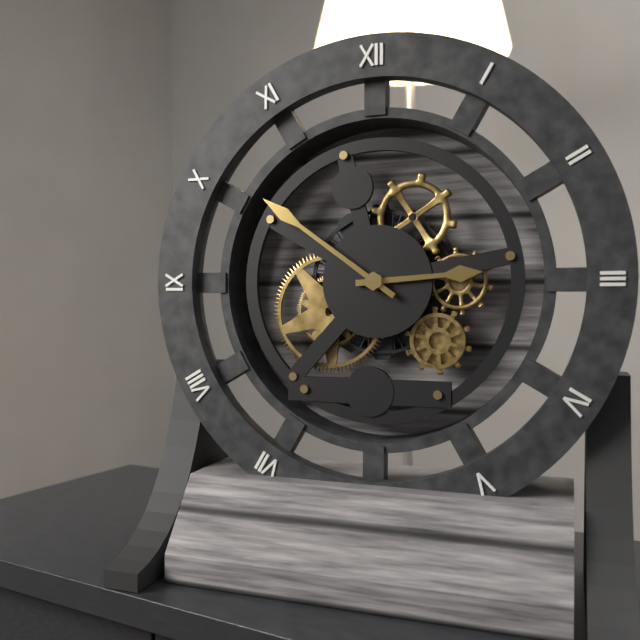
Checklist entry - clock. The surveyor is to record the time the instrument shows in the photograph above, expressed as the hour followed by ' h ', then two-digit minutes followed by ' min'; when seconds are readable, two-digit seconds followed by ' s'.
2 h 51 min
